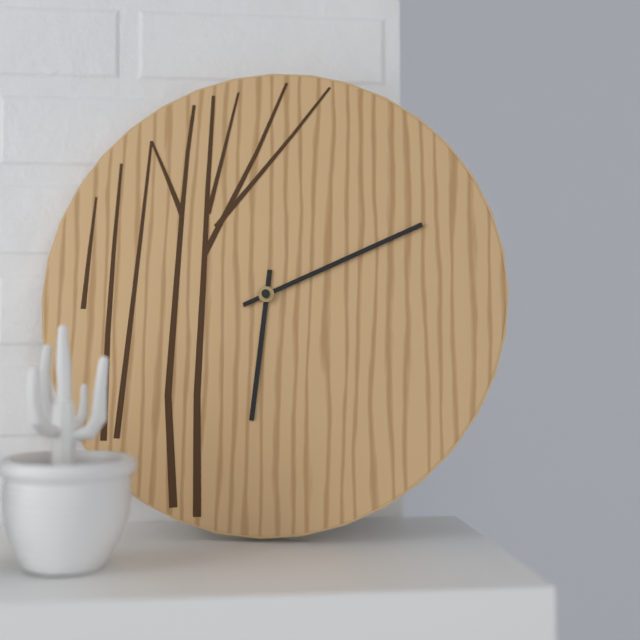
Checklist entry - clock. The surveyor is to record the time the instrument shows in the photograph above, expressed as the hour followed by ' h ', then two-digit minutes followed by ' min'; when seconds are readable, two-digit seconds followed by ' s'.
6 h 11 min
